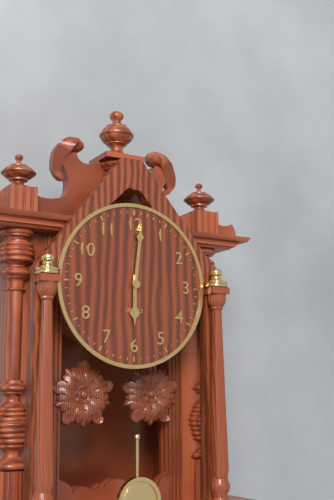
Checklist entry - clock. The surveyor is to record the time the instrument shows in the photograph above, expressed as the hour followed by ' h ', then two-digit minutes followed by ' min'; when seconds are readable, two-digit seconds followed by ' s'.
6 h 01 min
